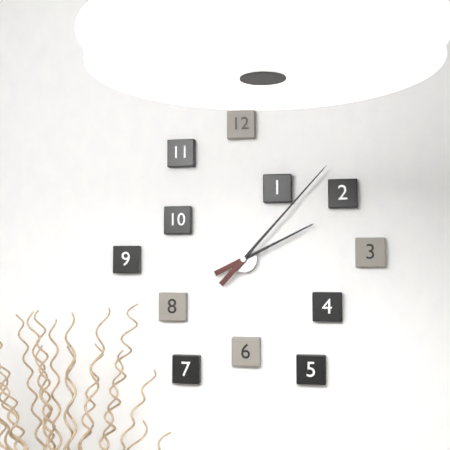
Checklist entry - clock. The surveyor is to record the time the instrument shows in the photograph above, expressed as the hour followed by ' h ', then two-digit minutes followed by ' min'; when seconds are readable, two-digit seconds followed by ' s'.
2 h 07 min
